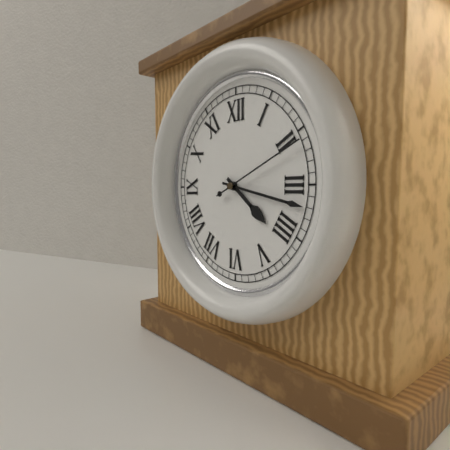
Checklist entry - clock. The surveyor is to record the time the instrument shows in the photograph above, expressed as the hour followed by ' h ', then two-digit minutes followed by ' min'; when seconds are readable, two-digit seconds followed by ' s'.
4 h 17 min 11 s
